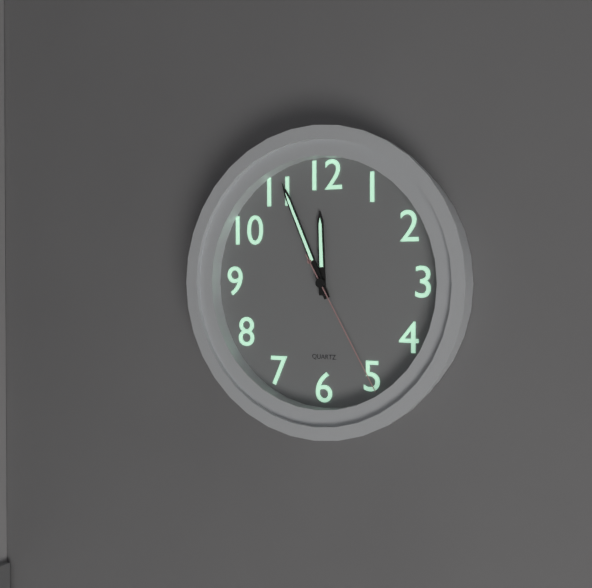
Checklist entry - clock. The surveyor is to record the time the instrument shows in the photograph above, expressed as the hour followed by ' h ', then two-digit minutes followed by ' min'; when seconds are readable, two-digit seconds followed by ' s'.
11 h 56 min 25 s
